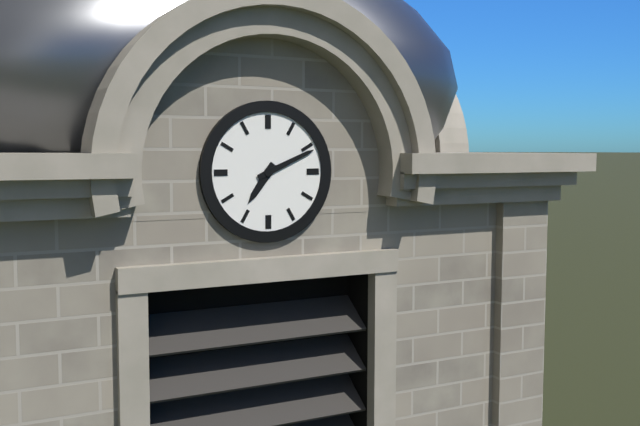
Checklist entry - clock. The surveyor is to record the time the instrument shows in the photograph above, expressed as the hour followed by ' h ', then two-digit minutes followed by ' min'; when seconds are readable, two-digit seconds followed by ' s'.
7 h 11 min
